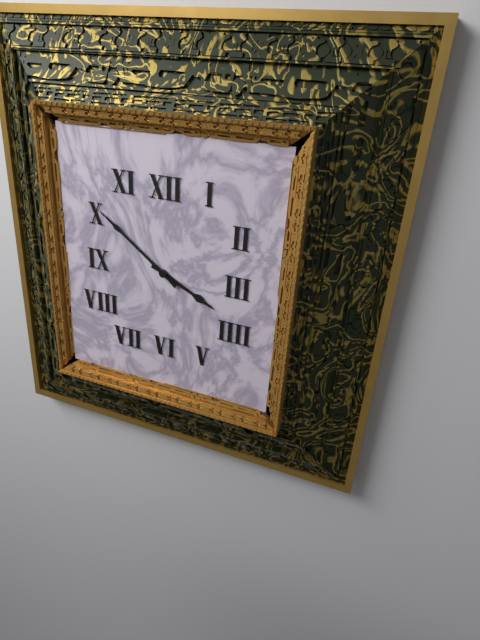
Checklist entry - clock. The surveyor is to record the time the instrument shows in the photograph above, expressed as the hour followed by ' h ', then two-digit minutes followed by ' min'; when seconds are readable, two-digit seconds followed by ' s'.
3 h 51 min
